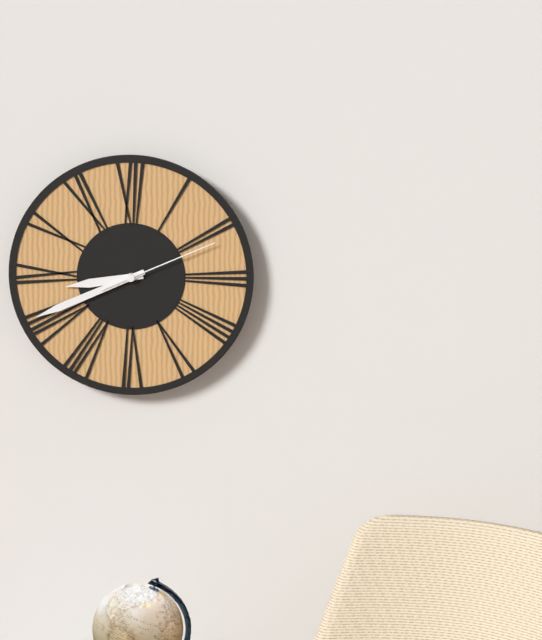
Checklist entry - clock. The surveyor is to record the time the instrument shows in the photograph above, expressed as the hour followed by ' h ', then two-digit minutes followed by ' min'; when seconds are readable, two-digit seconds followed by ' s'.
8 h 41 min 11 s
